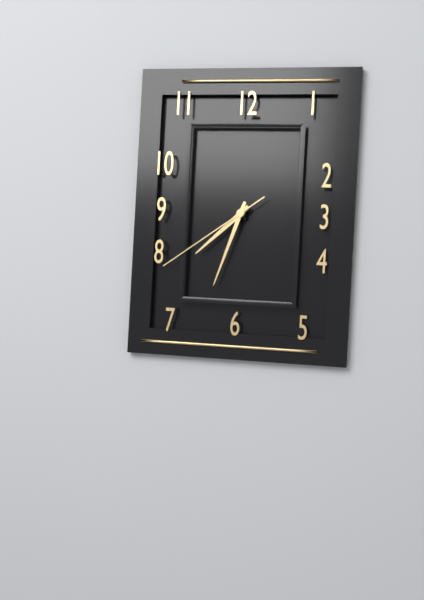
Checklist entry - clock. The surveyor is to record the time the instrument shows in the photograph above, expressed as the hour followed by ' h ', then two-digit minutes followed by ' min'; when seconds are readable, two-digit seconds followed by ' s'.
7 h 33 min 39 s
